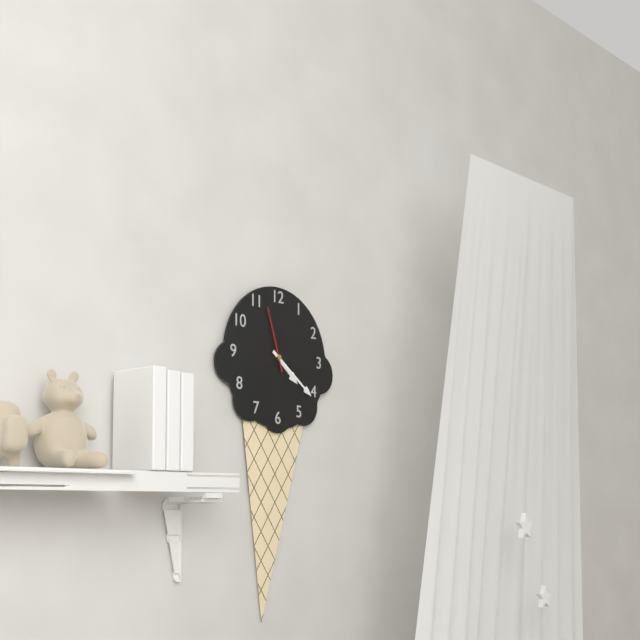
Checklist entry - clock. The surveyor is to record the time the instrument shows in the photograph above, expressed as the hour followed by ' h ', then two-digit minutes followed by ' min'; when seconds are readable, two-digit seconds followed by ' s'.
4 h 21 min 57 s
